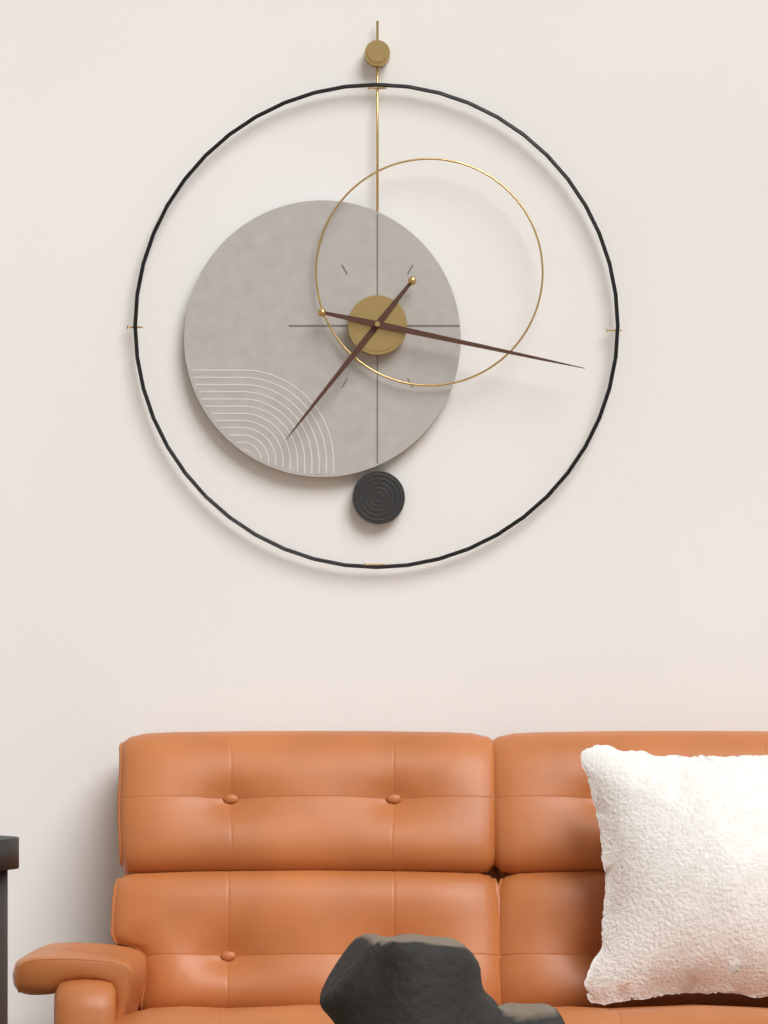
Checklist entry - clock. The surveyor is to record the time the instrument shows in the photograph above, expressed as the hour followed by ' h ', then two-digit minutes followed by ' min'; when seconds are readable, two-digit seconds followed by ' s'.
7 h 17 min
